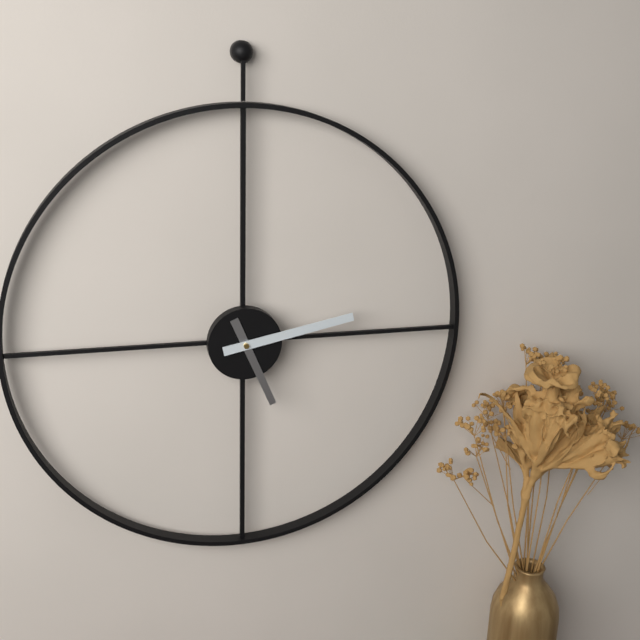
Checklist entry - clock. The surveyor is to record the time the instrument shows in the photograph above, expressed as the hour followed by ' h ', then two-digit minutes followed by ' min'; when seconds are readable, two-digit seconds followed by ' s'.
5 h 13 min
